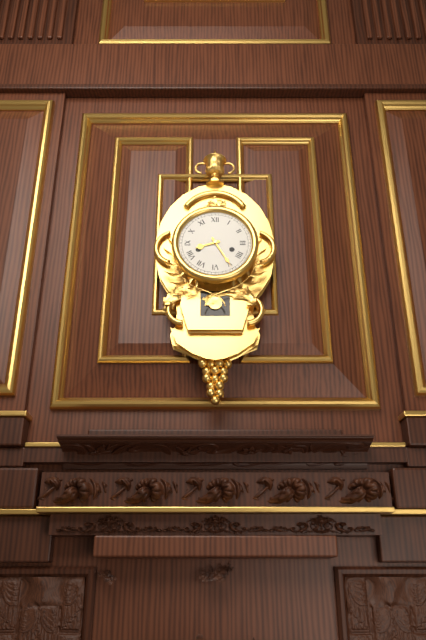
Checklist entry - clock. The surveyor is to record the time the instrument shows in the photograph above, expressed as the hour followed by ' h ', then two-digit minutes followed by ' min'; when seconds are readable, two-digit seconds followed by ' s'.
8 h 25 min
